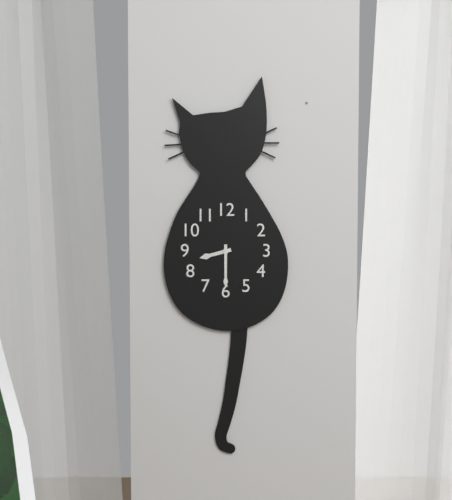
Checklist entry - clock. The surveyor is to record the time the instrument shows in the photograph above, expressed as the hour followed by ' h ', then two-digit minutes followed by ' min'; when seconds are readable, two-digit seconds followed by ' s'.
8 h 30 min
